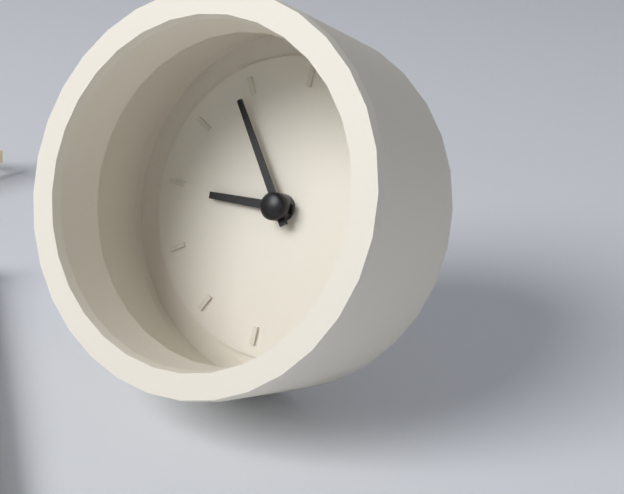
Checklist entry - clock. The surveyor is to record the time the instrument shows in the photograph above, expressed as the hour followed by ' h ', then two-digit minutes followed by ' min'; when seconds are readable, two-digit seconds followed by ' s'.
8 h 54 min
